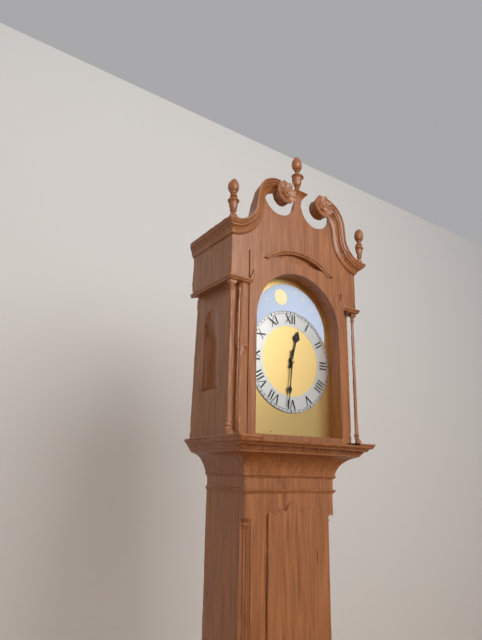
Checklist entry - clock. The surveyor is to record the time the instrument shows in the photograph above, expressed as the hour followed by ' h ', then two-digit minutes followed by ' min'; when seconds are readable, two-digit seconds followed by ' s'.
12 h 31 min
